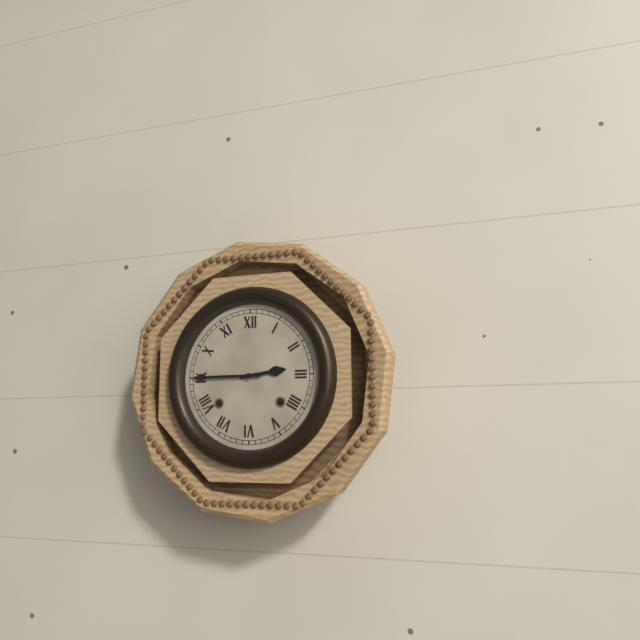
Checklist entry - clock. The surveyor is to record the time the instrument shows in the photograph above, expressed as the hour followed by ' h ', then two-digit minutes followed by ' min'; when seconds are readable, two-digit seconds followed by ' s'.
2 h 45 min
